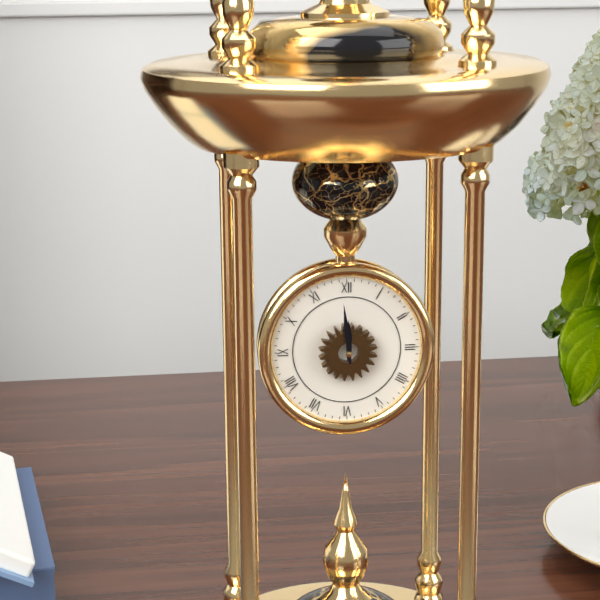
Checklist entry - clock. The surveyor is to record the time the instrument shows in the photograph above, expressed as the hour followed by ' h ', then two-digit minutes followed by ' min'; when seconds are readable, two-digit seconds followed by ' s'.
11 h 59 min
